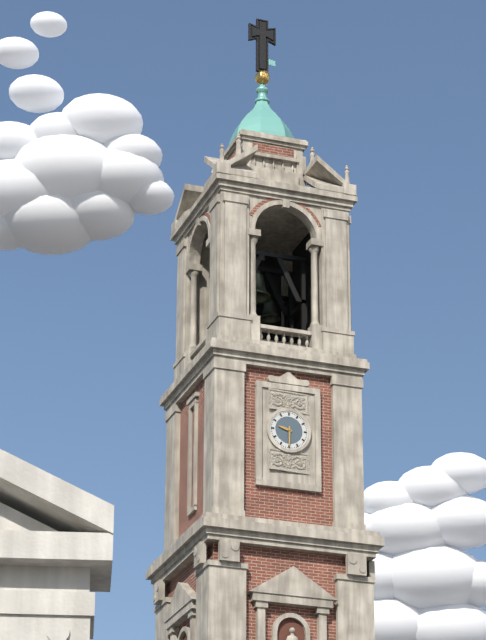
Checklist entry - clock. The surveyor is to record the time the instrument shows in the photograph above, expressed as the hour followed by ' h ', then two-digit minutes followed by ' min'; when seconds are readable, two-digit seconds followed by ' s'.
9 h 30 min
